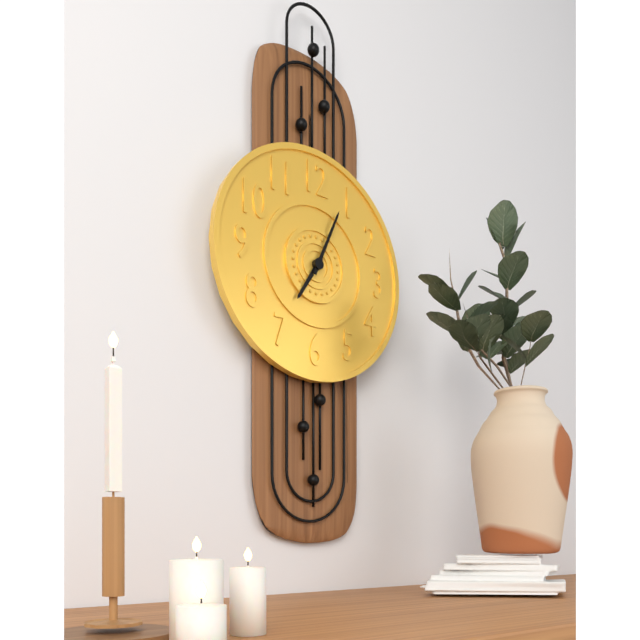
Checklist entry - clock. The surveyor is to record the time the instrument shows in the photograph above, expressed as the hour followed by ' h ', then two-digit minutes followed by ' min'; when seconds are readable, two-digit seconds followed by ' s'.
7 h 04 min
